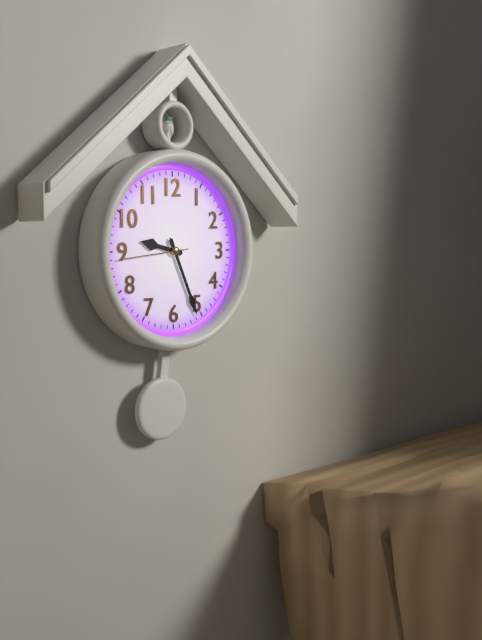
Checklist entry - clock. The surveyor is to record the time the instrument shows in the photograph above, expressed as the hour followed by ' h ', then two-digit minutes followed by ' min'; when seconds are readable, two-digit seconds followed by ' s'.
9 h 26 min 44 s
